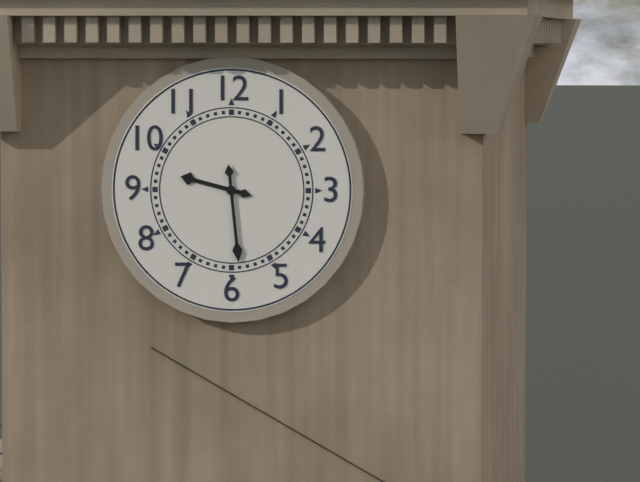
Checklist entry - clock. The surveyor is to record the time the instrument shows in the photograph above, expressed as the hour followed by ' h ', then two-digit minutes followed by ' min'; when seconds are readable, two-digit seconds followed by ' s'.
9 h 29 min
